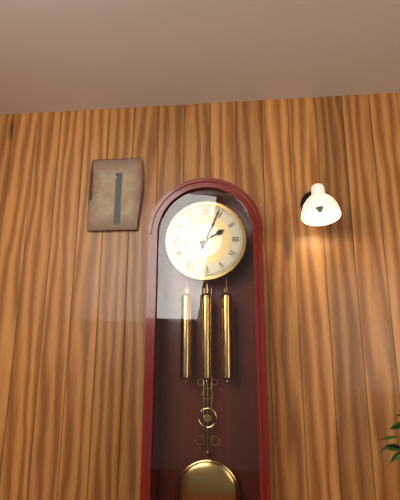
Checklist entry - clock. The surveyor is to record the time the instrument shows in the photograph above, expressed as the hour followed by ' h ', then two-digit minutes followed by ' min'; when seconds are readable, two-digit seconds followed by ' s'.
2 h 04 min
